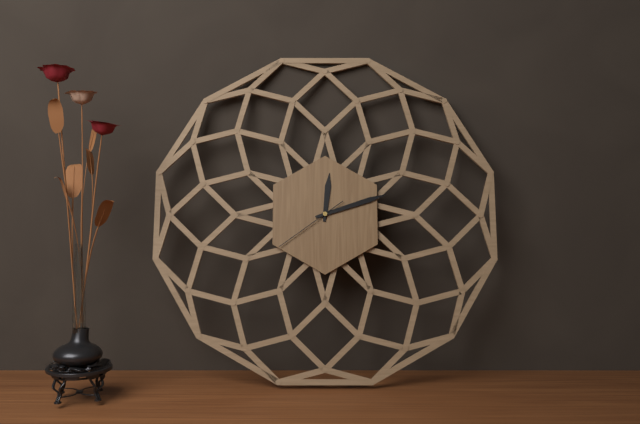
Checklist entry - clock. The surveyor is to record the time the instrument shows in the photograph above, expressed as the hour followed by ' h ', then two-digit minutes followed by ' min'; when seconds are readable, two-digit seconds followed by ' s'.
12 h 12 min 39 s
